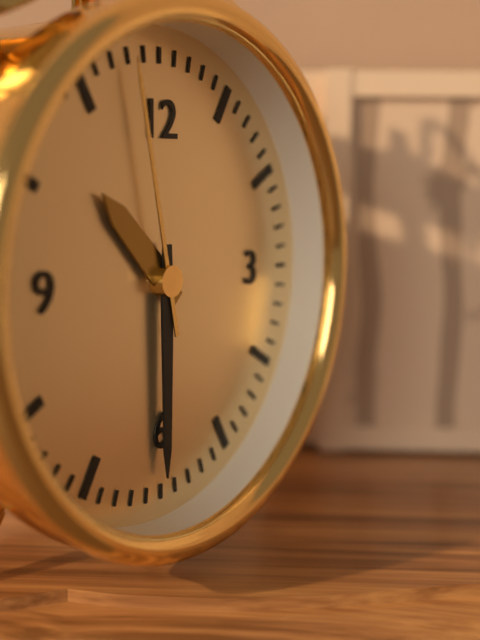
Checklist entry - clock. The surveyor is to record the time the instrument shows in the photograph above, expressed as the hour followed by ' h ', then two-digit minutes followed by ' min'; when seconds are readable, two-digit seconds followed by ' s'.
10 h 30 min 58 s
